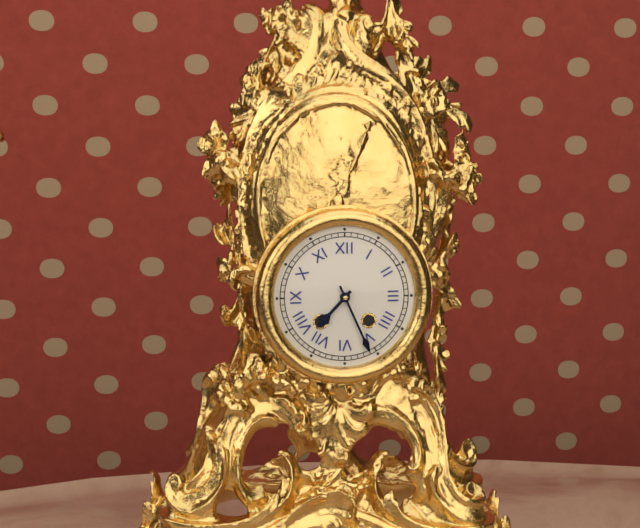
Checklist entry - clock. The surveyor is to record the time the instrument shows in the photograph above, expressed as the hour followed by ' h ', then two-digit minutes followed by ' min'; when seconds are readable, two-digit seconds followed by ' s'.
7 h 26 min
